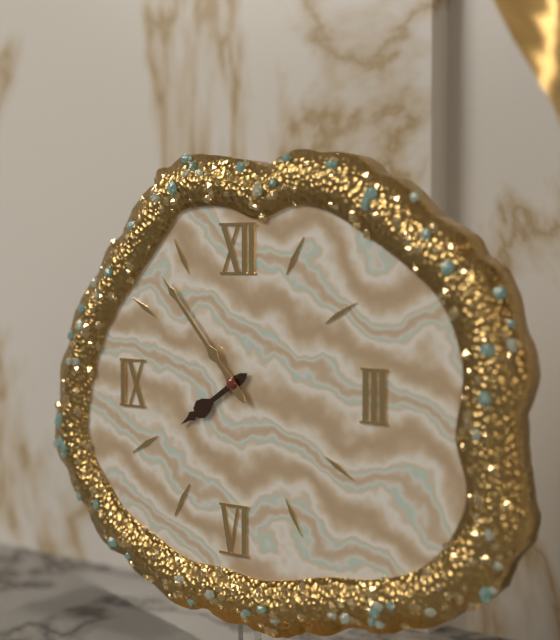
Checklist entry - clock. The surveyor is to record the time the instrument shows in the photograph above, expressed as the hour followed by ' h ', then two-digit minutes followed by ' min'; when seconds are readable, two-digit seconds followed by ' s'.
7 h 53 min
